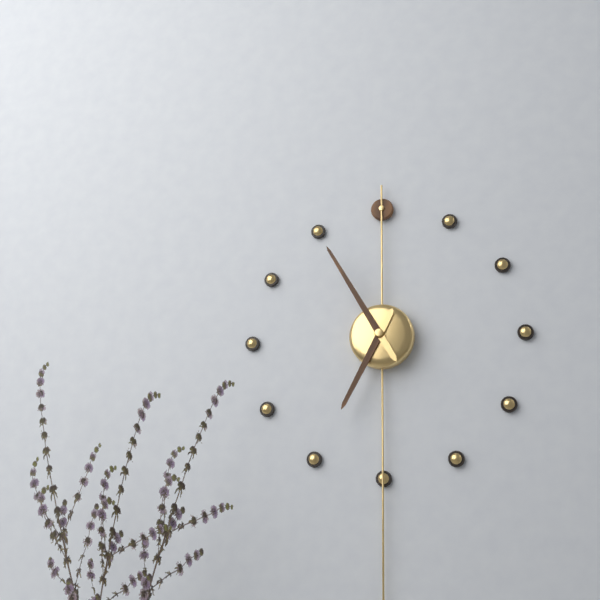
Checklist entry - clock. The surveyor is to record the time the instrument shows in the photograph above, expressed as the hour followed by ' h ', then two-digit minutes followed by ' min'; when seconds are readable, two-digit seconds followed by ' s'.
6 h 55 min
